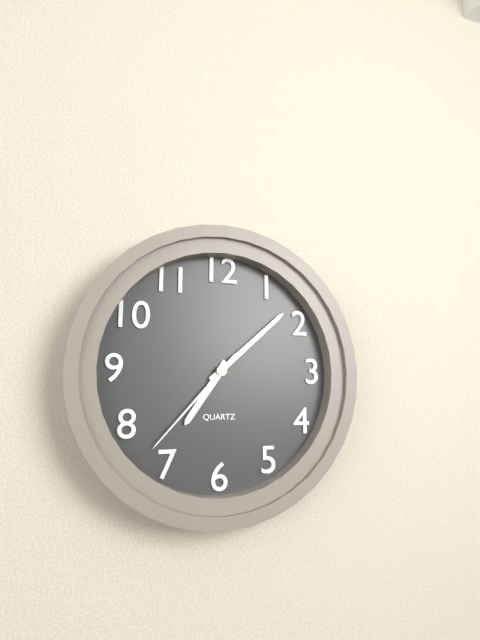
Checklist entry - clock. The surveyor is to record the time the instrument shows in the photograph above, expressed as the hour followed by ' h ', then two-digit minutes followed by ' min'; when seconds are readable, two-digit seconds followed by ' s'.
7 h 08 min 37 s
